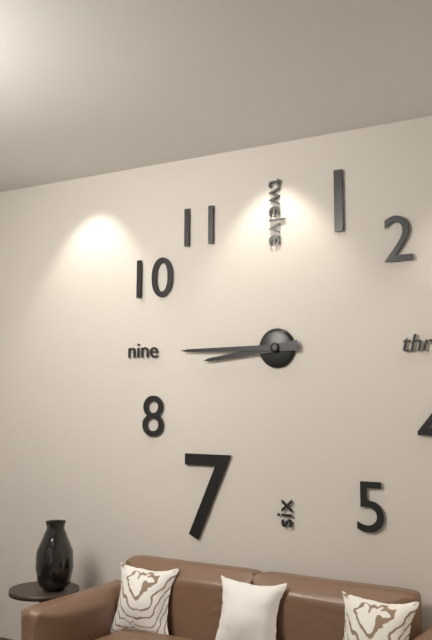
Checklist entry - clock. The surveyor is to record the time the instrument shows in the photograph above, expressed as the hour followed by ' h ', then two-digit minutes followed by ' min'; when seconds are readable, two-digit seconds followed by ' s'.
8 h 45 min
